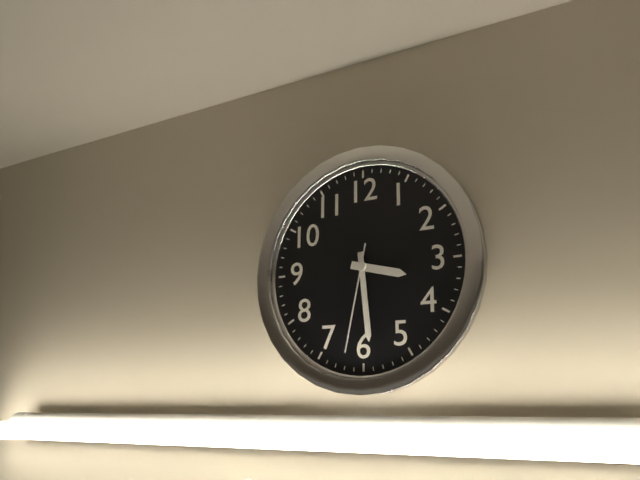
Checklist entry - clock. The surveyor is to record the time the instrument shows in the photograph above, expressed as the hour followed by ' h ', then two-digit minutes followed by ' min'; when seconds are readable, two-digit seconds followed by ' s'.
3 h 29 min 32 s
